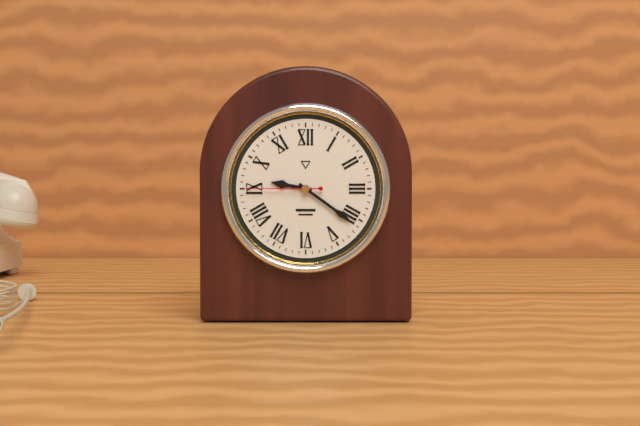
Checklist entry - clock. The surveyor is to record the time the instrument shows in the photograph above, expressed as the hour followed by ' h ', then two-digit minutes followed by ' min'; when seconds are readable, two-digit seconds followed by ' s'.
9 h 21 min 45 s
